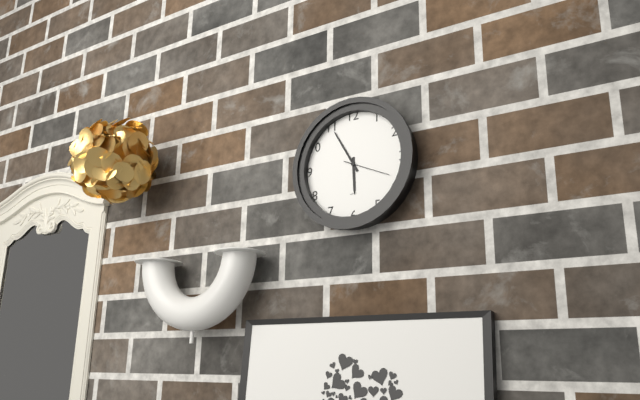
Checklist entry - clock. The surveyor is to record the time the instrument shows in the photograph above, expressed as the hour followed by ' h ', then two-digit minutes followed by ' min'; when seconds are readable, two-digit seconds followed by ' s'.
5 h 55 min
